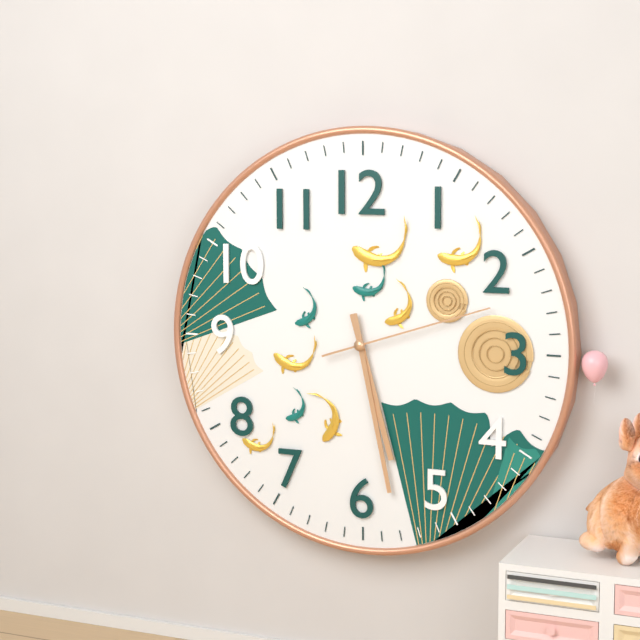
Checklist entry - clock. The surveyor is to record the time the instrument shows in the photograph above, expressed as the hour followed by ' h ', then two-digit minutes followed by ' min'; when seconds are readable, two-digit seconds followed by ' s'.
5 h 28 min 12 s
